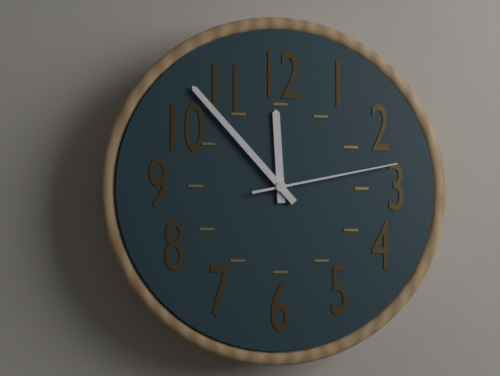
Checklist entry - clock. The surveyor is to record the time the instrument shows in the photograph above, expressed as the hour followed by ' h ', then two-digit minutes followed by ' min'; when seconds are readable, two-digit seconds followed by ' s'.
11 h 53 min 13 s
